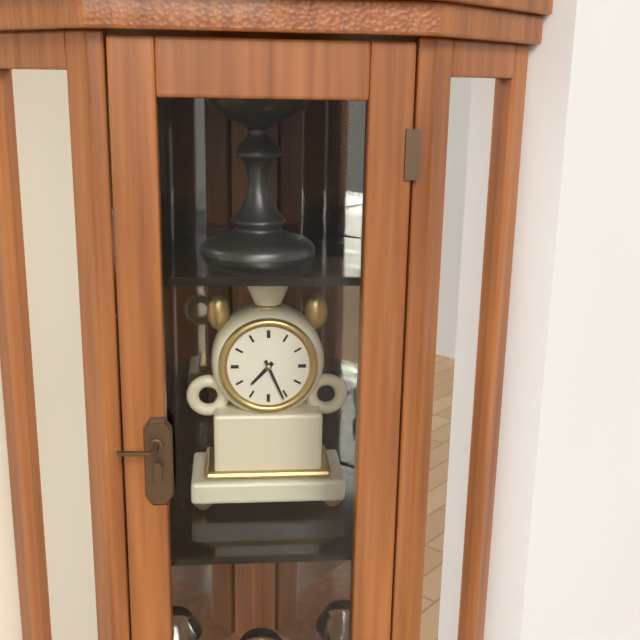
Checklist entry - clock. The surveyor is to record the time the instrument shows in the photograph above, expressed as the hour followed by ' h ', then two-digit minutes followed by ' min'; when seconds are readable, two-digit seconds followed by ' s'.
7 h 26 min
